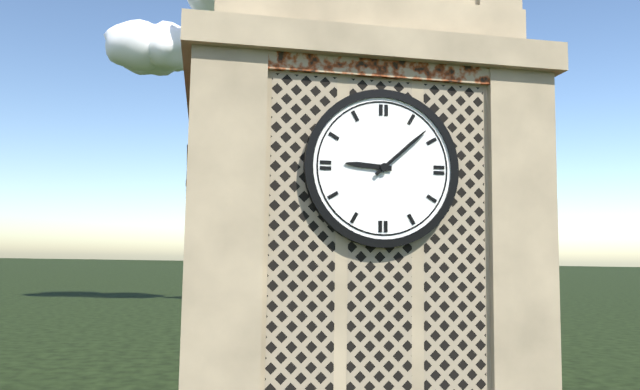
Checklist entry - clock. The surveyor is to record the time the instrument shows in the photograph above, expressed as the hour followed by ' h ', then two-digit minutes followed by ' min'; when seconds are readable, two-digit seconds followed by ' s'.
9 h 08 min
